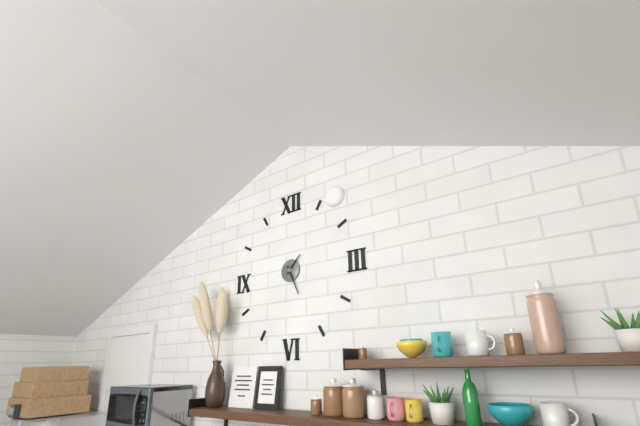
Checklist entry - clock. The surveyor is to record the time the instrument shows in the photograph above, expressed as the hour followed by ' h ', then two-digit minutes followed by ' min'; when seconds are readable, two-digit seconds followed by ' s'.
1 h 26 min
